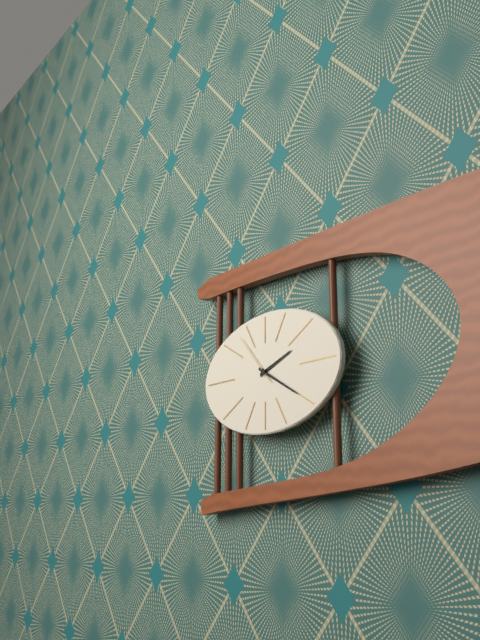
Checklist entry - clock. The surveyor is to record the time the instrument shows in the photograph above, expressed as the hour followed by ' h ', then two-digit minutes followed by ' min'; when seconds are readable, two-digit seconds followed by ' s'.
2 h 20 min 53 s
